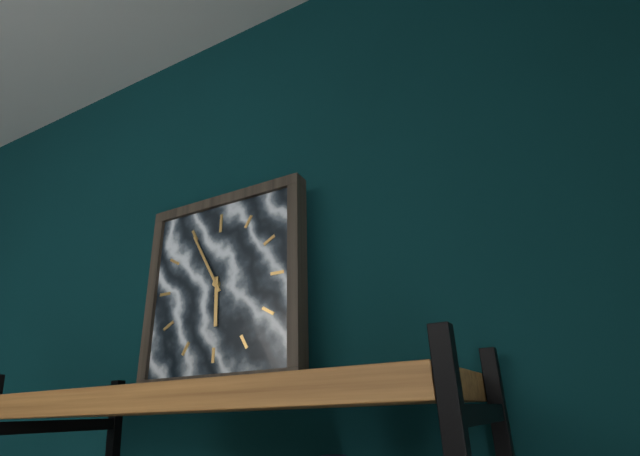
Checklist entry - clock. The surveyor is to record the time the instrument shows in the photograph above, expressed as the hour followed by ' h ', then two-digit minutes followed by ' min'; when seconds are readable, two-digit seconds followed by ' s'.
5 h 55 min
